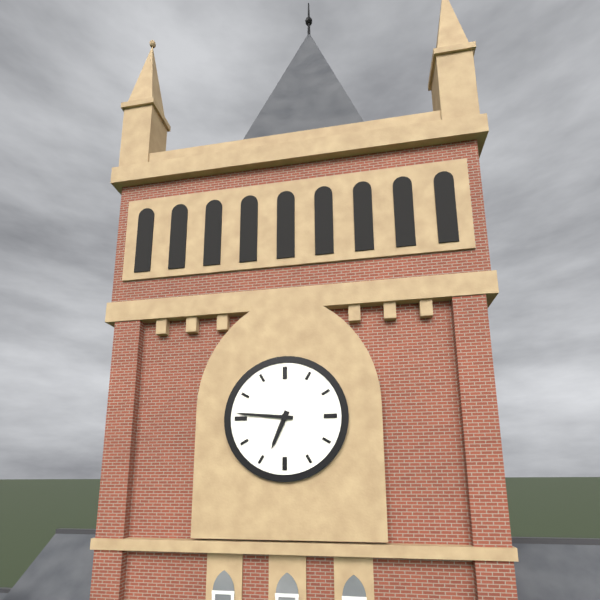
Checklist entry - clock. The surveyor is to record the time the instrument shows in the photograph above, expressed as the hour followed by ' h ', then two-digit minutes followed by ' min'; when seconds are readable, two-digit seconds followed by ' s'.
6 h 46 min
